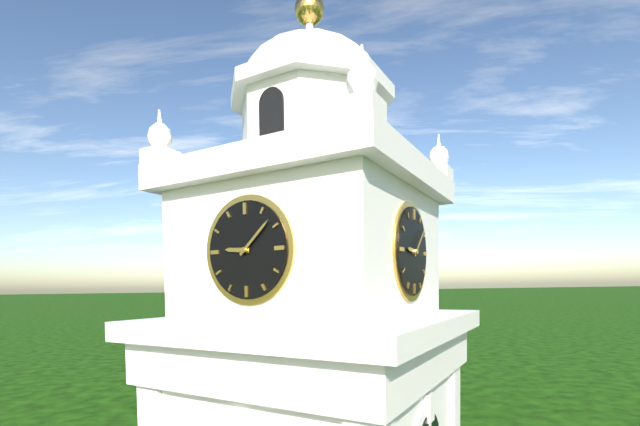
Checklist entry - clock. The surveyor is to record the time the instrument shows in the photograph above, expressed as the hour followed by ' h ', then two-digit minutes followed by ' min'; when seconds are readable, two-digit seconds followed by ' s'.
9 h 08 min
